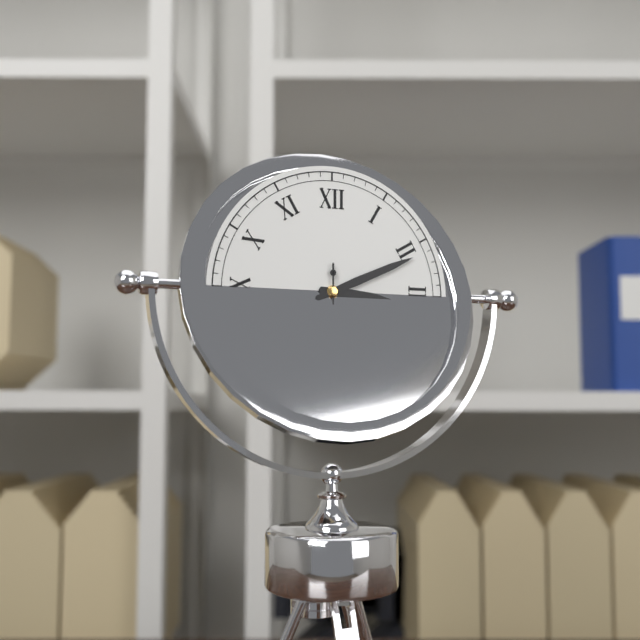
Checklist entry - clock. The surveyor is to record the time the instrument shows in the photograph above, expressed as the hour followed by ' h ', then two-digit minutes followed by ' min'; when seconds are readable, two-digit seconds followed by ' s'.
3 h 11 min
